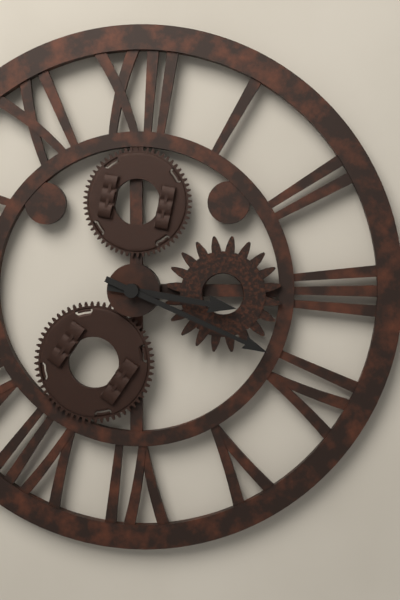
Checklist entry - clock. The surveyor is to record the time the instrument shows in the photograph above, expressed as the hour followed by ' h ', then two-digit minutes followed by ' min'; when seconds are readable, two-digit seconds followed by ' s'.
3 h 19 min
